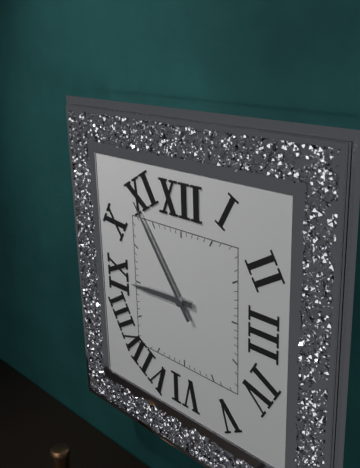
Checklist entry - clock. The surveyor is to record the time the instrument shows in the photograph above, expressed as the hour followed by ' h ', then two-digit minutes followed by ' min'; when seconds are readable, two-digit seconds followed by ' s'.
8 h 54 min
